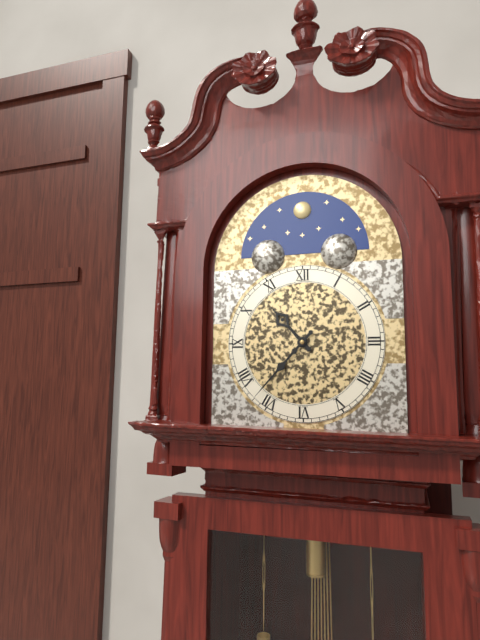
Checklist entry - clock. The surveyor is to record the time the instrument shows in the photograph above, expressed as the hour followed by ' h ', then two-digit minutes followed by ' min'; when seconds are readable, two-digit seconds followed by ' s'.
10 h 37 min
